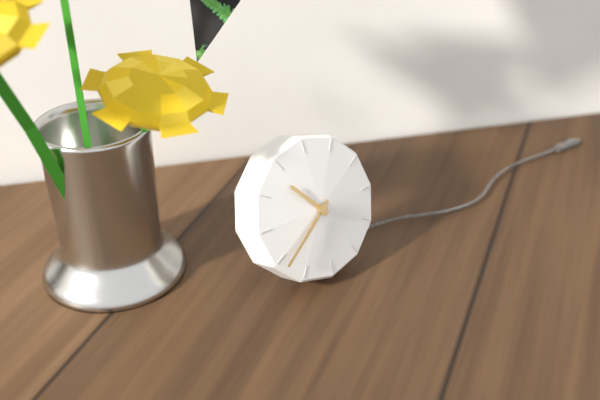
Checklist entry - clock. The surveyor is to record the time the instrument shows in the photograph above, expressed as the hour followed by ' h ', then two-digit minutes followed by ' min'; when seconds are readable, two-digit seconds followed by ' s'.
10 h 39 min
